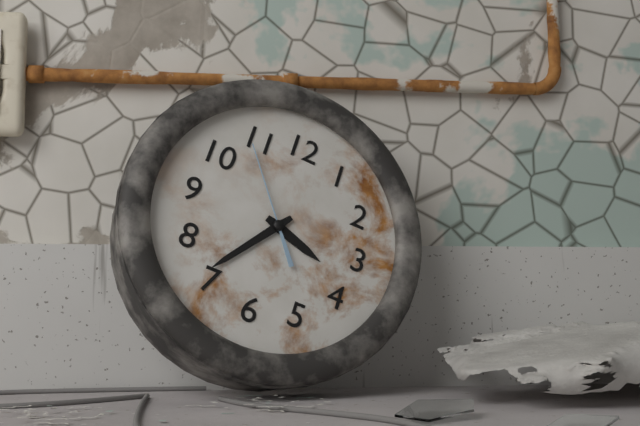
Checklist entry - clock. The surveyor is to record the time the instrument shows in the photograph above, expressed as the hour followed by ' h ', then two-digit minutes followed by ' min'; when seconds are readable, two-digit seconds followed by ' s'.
3 h 36 min 54 s
